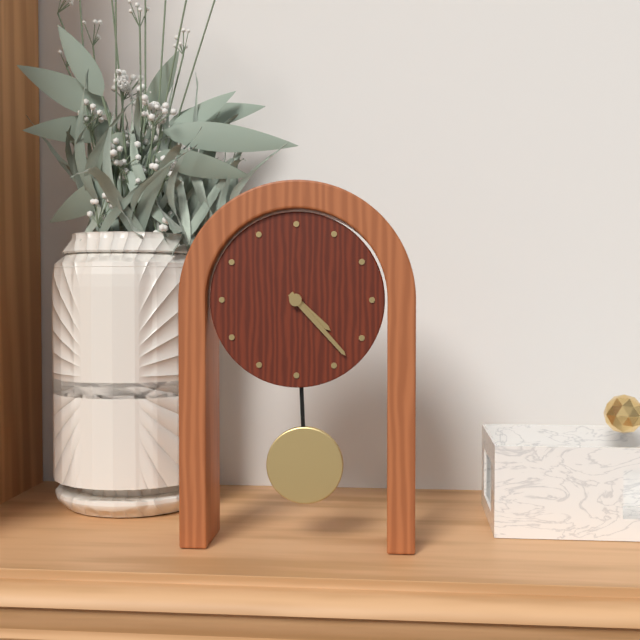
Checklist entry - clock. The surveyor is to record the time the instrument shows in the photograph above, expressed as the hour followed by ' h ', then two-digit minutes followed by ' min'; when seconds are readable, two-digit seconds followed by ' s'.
4 h 23 min
